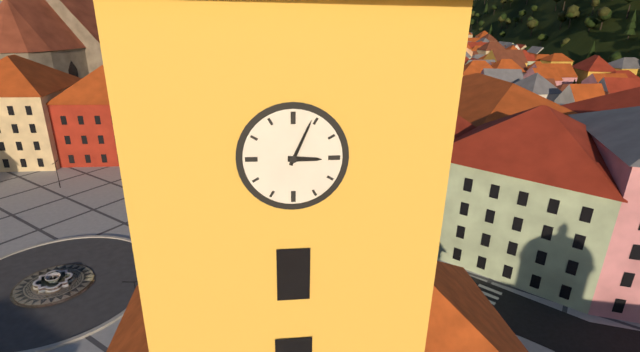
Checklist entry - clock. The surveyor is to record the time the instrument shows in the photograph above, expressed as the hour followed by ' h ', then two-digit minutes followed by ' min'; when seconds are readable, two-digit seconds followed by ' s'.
3 h 04 min
